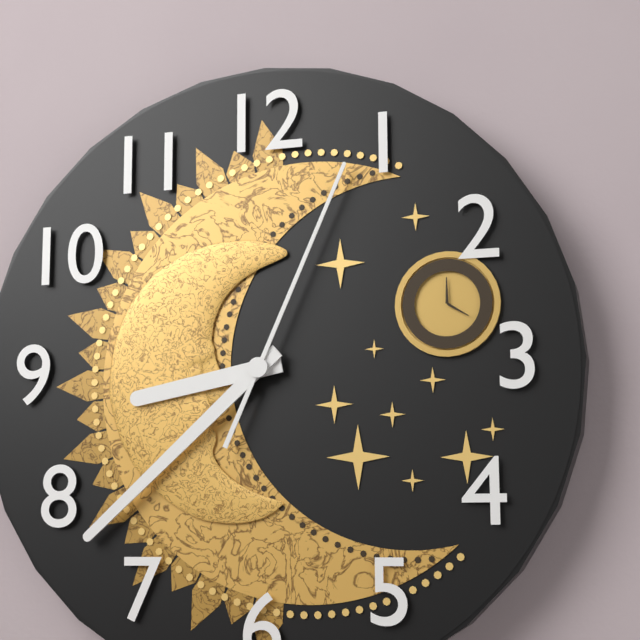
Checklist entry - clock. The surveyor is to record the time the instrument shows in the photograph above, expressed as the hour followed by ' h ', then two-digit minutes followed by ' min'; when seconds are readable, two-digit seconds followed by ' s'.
8 h 38 min 04 s
